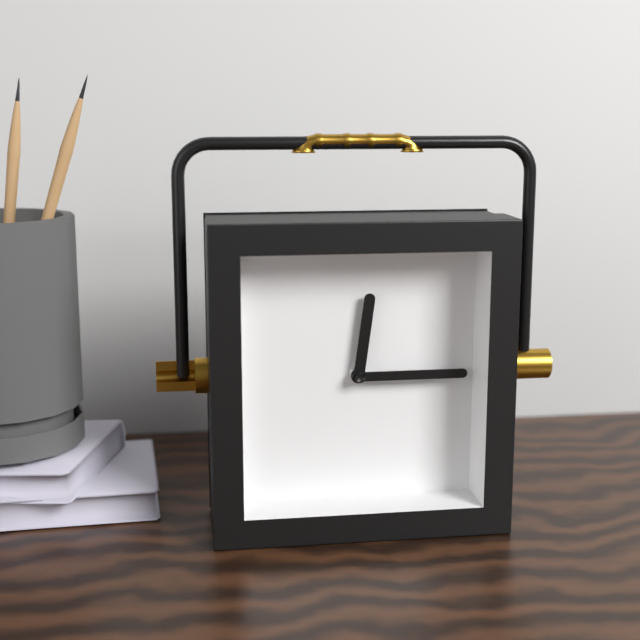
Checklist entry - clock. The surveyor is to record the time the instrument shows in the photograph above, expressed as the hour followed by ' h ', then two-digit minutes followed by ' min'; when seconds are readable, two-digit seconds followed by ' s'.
12 h 15 min
